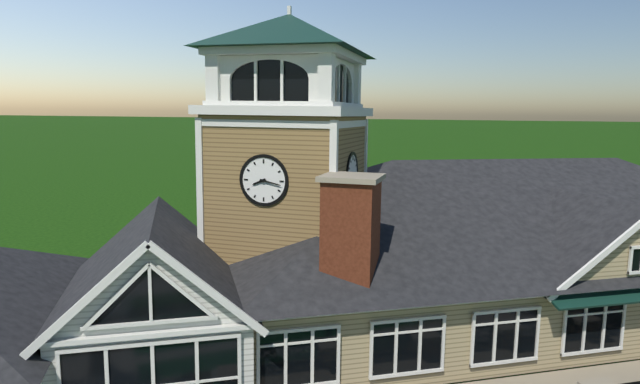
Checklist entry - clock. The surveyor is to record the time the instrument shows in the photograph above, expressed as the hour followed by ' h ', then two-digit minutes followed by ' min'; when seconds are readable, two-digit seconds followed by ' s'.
8 h 17 min
